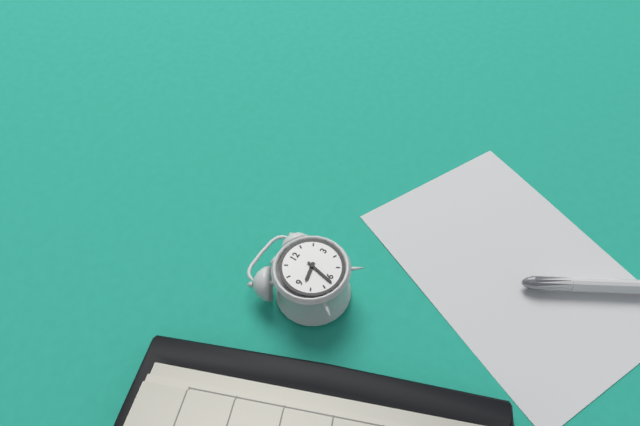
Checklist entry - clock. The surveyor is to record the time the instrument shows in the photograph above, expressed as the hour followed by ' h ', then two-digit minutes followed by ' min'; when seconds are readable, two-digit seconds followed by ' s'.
8 h 32 min
